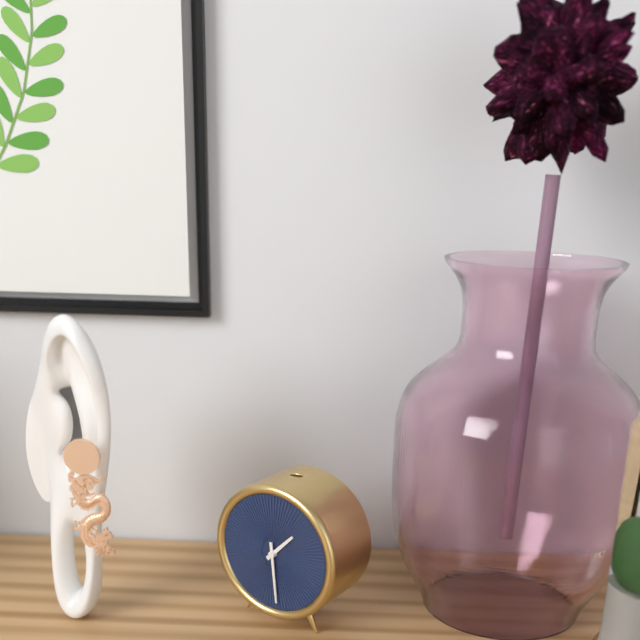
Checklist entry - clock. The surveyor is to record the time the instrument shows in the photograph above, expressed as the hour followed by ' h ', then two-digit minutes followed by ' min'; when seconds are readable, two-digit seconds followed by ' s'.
1 h 29 min
